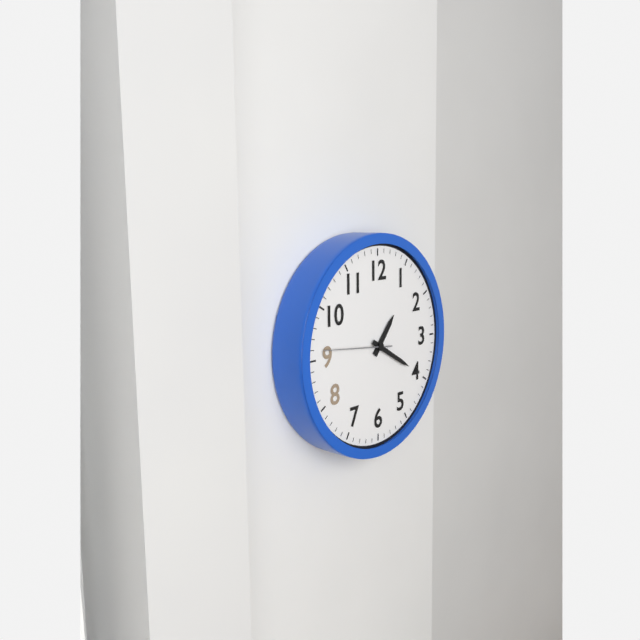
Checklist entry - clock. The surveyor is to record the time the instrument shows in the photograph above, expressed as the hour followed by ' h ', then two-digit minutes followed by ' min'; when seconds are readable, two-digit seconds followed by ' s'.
1 h 20 min 46 s
